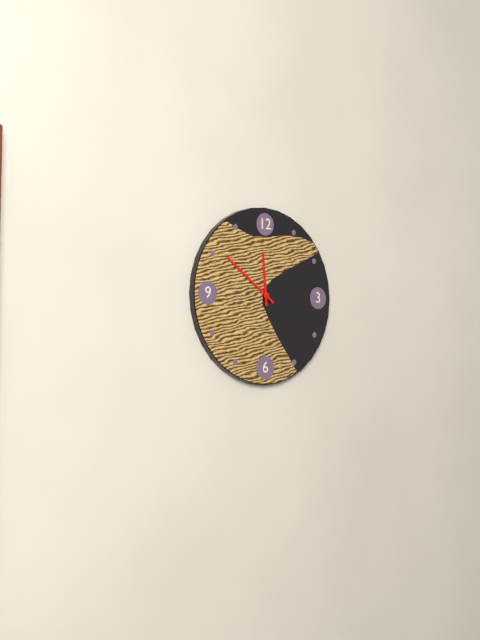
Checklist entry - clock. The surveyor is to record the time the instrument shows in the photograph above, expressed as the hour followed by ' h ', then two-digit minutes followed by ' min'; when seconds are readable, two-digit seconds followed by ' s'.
11 h 51 min
